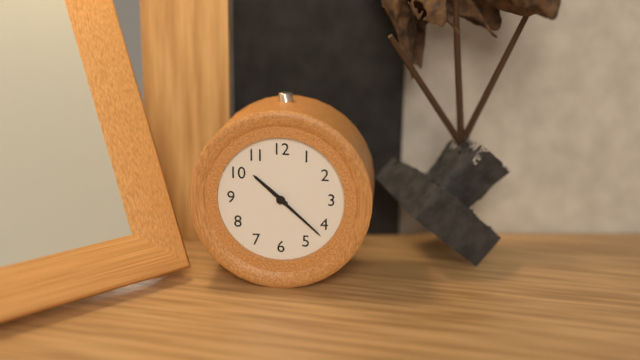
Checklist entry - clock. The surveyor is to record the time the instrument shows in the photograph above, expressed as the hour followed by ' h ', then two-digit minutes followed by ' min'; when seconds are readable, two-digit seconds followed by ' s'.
10 h 22 min
